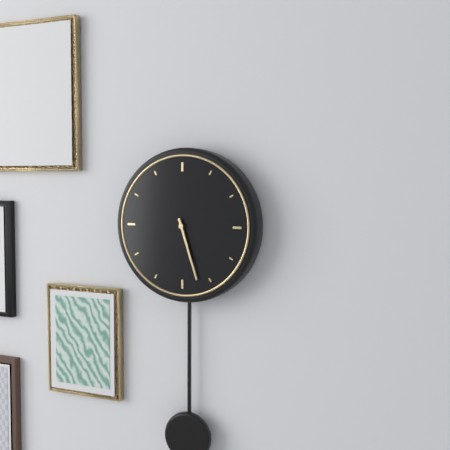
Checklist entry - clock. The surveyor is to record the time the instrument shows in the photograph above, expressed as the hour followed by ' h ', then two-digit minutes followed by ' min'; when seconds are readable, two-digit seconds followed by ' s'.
5 h 27 min
